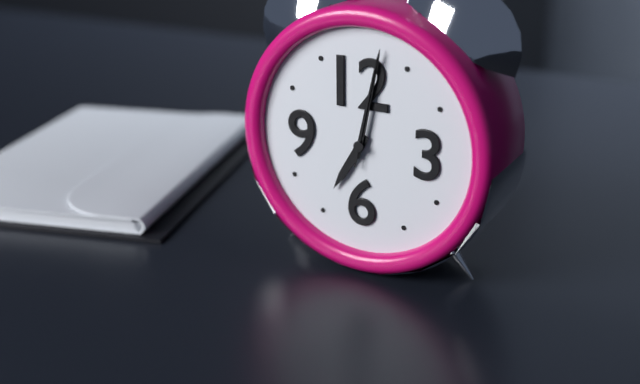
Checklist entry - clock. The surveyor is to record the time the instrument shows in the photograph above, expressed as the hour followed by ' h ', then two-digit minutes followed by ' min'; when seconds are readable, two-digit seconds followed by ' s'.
7 h 02 min 02 s
